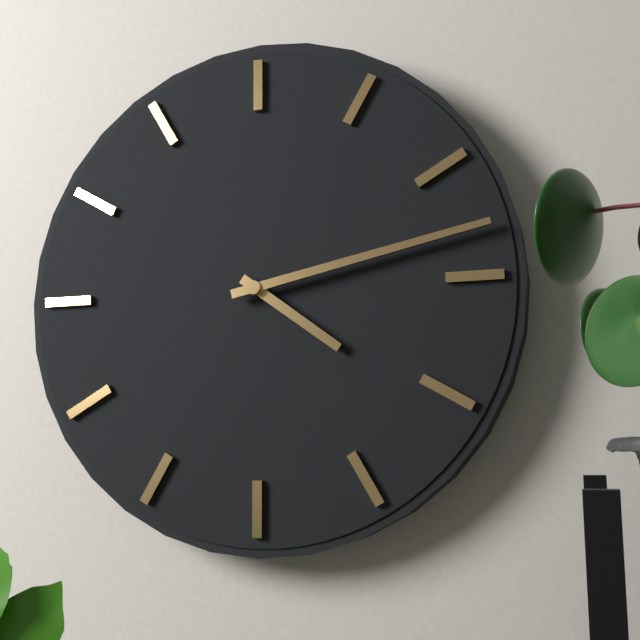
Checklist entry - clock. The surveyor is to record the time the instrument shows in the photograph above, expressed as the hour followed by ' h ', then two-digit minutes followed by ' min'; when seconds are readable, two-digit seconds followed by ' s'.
4 h 13 min
